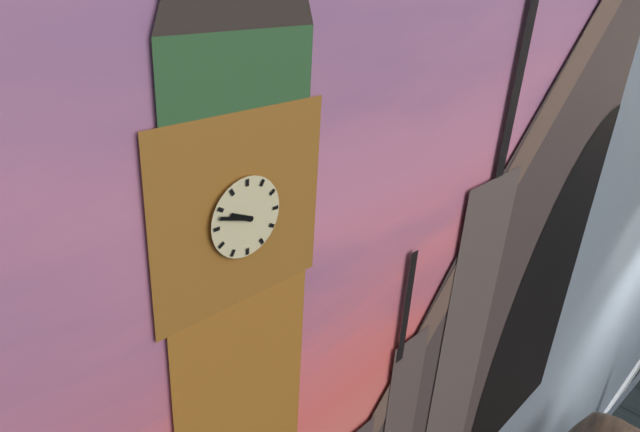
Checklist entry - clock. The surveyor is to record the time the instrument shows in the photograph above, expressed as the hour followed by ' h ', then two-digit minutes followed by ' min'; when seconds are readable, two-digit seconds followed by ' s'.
9 h 48 min
